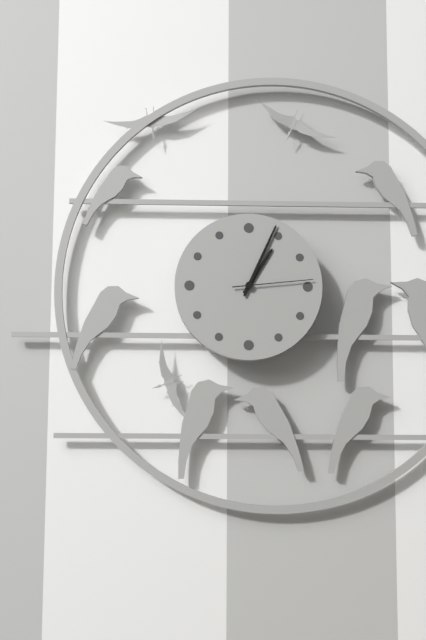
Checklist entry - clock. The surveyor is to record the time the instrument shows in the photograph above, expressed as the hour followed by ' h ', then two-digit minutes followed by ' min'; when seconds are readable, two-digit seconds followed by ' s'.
1 h 04 min 14 s
